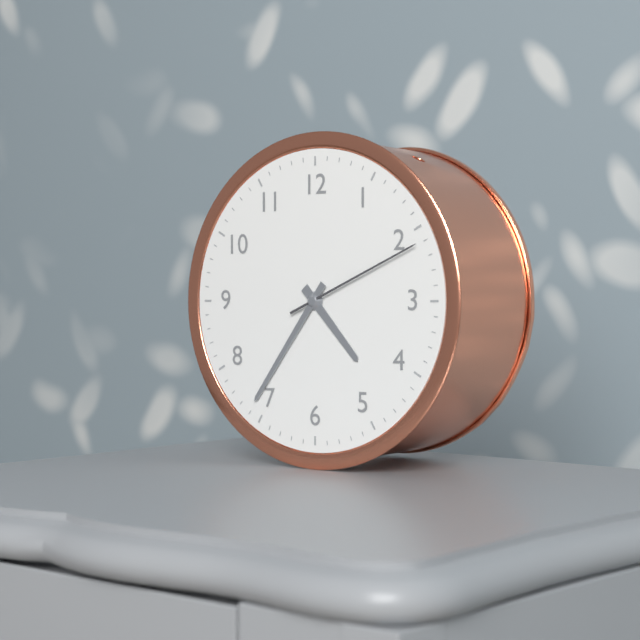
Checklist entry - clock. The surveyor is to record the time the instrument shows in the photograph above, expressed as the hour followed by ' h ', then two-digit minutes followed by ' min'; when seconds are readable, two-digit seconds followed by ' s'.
4 h 36 min 11 s
